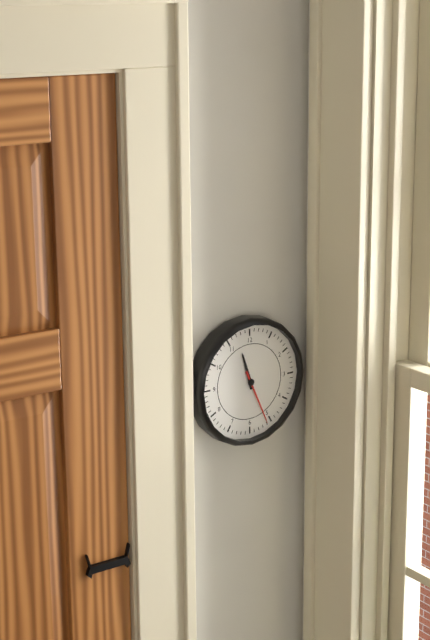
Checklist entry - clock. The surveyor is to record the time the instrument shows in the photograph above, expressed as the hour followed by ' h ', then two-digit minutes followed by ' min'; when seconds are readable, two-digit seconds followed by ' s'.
11 h 26 min
